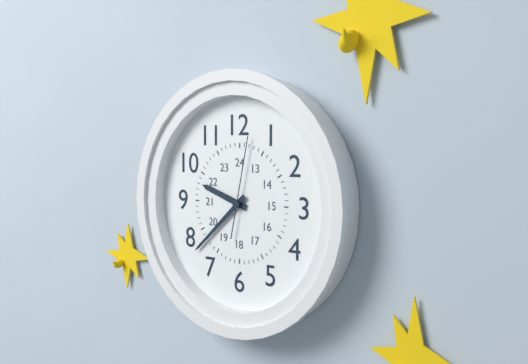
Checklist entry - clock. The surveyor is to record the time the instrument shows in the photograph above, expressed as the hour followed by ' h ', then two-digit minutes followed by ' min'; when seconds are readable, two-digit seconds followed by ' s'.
9 h 38 min 02 s
